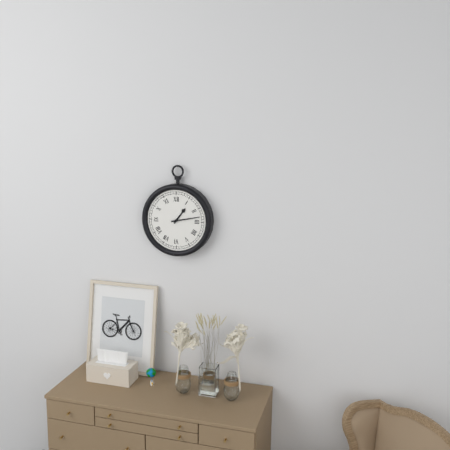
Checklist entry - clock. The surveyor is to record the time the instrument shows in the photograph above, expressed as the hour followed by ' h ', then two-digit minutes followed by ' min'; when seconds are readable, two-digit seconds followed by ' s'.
1 h 13 min
